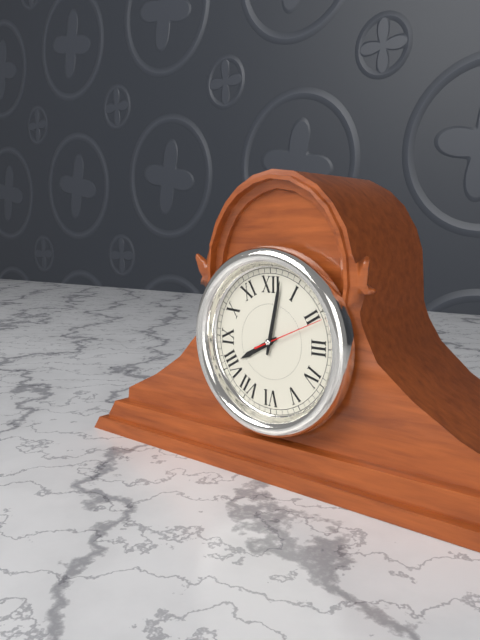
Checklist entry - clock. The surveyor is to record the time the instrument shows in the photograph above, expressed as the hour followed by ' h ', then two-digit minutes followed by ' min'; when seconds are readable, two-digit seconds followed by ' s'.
8 h 02 min 11 s
